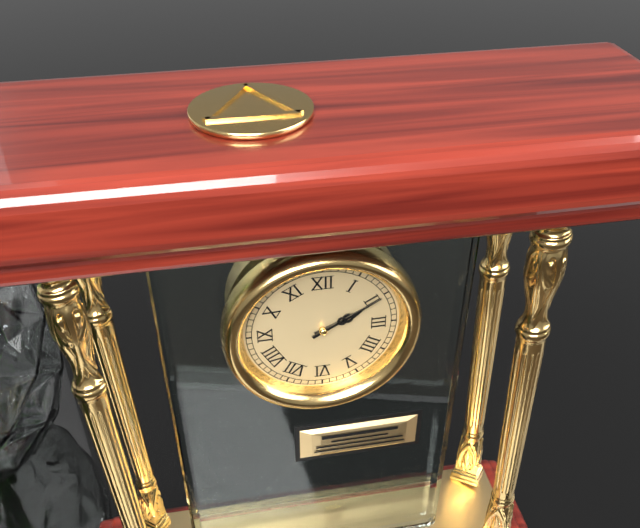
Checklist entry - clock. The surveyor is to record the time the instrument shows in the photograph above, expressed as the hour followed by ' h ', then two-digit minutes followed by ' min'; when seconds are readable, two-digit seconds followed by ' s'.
2 h 10 min
